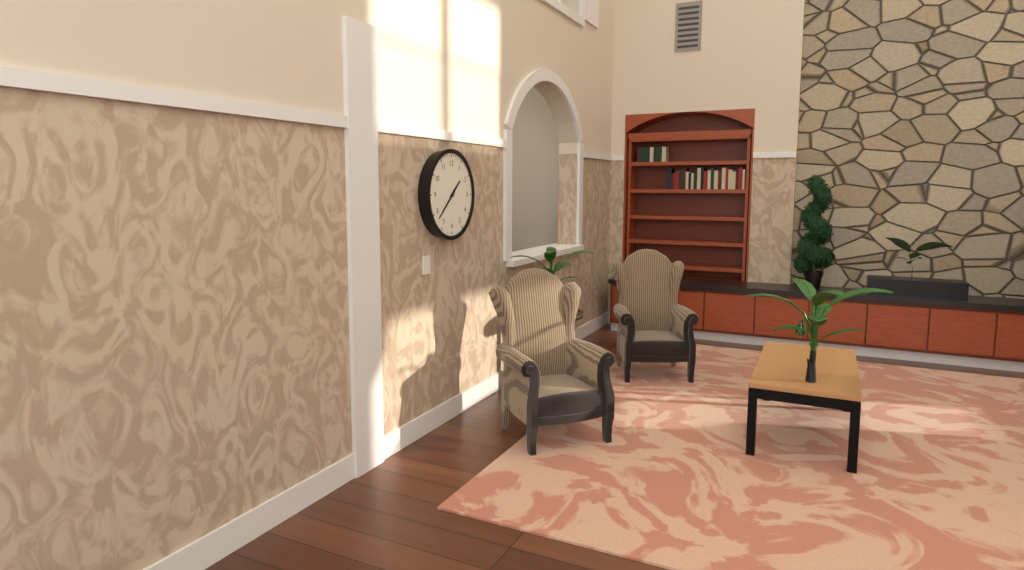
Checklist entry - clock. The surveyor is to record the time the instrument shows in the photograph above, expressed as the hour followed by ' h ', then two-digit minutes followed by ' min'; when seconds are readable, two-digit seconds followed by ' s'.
1 h 38 min
